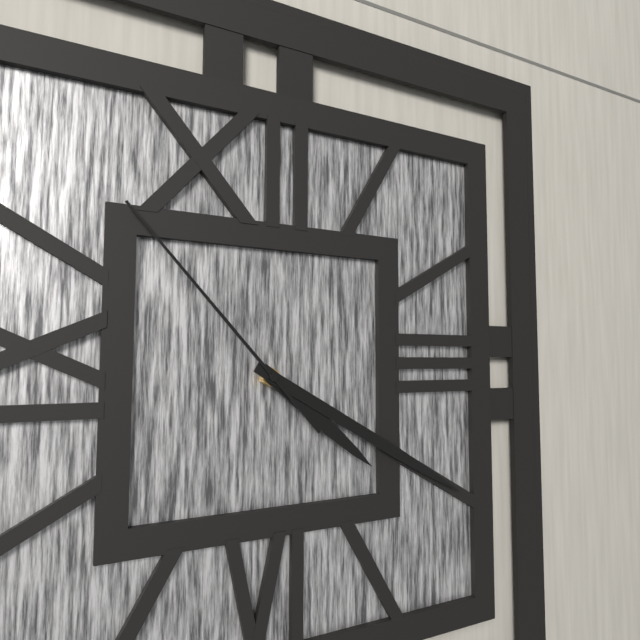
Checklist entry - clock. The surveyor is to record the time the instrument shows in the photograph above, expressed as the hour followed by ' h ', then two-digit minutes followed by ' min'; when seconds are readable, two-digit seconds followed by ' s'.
4 h 20 min 53 s
